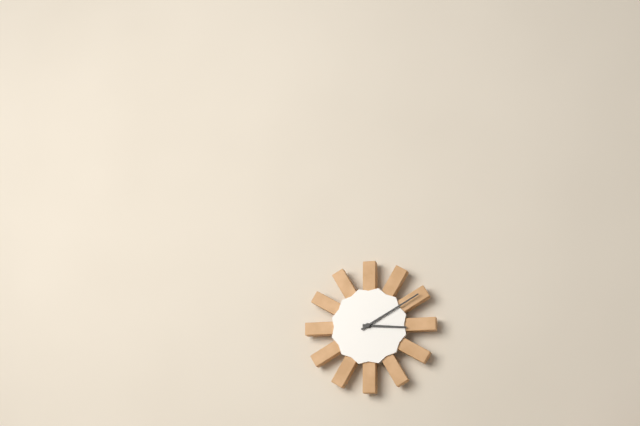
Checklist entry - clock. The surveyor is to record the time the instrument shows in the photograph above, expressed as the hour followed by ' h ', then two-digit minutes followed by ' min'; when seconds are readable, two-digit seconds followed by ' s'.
3 h 10 min
